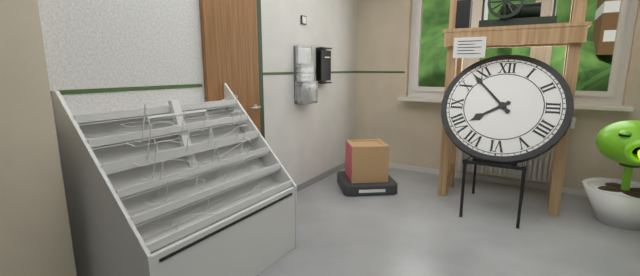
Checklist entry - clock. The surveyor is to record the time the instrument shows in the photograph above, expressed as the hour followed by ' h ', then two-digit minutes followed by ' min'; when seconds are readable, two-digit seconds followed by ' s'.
7 h 53 min
